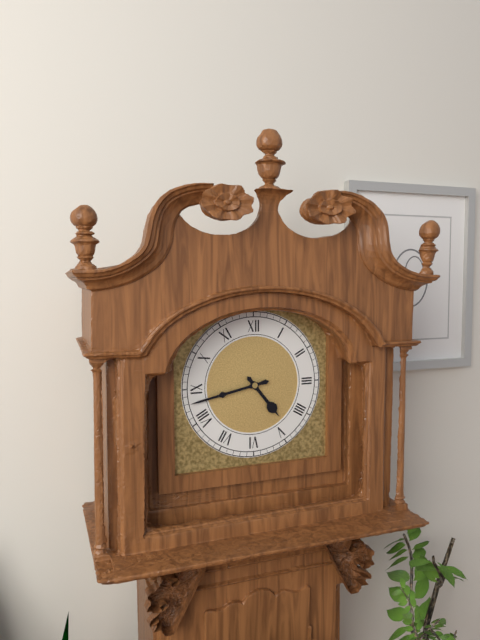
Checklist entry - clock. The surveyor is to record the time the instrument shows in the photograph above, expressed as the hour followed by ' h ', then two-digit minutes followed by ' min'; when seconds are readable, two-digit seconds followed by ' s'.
4 h 43 min
